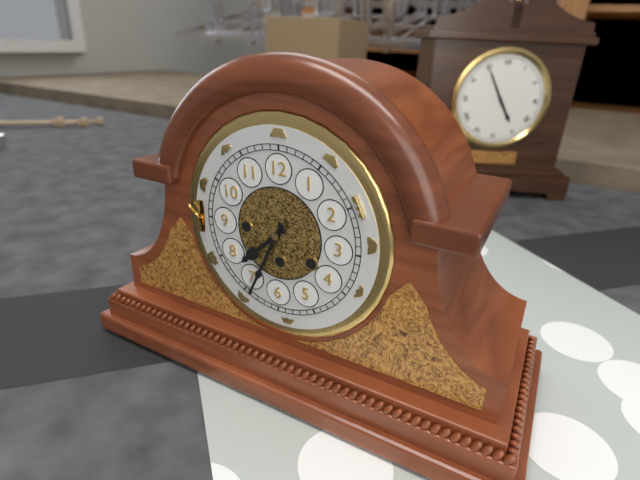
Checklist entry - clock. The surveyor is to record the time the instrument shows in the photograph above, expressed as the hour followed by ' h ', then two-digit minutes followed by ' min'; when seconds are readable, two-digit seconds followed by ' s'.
7 h 34 min
